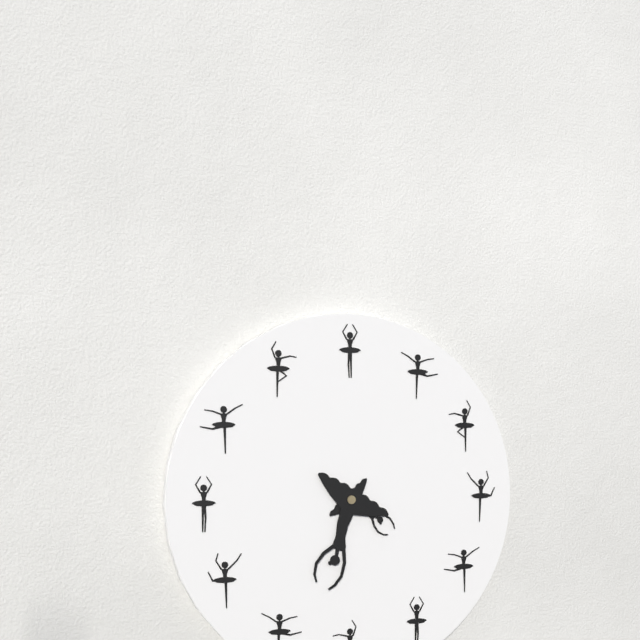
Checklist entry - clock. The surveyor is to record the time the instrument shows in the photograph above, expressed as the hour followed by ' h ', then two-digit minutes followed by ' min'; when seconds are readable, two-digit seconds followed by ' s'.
4 h 35 min
